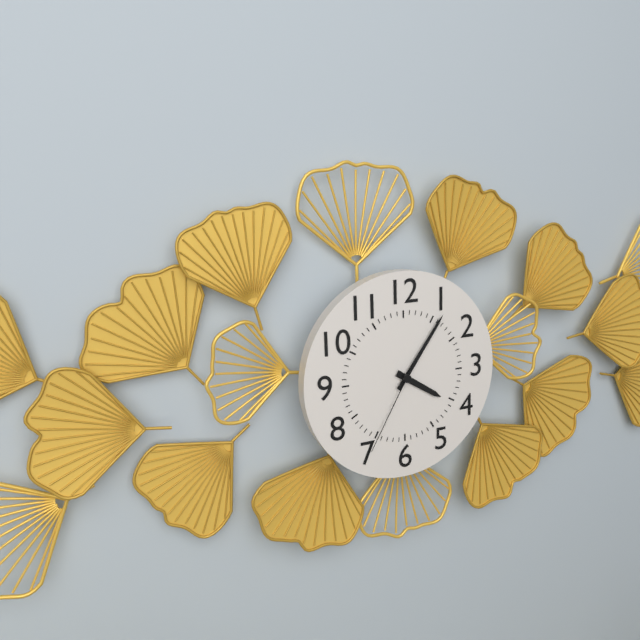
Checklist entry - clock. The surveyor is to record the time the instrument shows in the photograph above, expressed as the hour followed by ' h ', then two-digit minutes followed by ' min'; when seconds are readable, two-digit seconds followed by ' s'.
4 h 06 min 35 s
